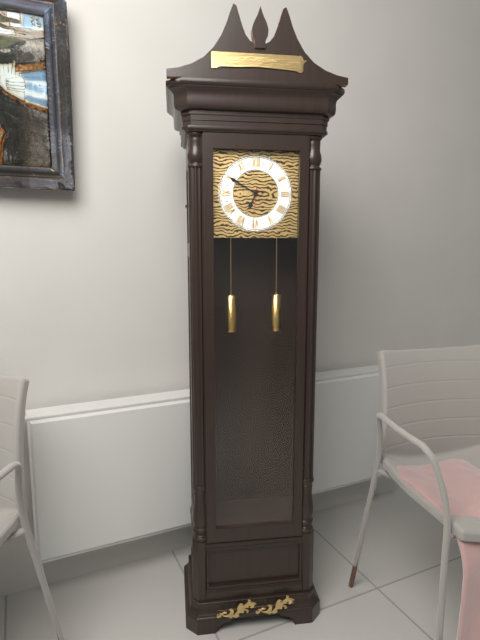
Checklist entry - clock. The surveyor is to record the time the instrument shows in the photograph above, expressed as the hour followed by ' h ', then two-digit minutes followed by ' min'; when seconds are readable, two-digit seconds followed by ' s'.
6 h 50 min
